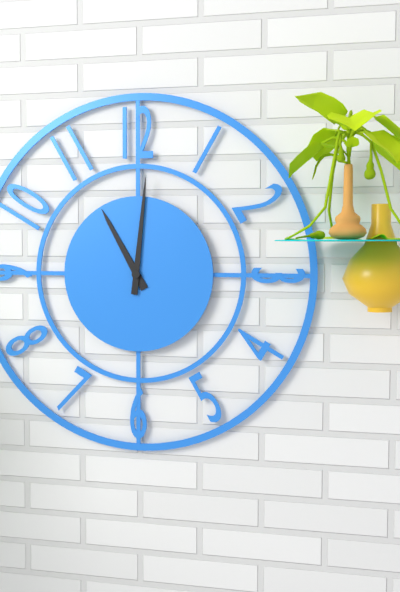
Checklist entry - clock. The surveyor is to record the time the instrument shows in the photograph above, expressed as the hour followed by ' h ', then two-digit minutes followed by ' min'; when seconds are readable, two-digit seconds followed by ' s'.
11 h 01 min
